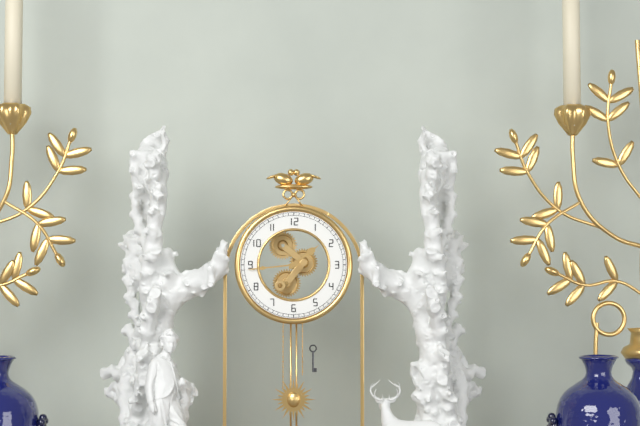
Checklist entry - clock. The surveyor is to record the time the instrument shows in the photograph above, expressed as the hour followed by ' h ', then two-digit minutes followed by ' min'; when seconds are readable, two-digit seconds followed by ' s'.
1 h 44 min
